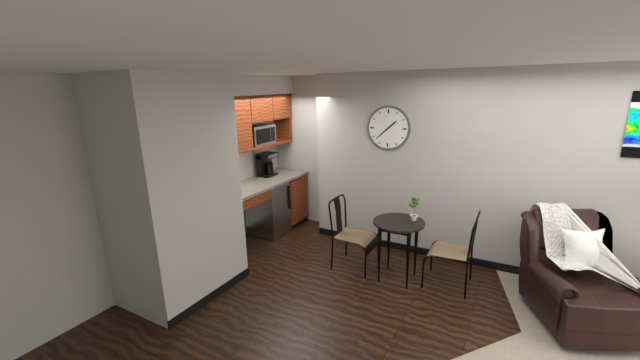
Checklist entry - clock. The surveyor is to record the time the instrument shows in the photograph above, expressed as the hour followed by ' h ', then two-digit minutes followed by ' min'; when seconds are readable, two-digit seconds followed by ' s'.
1 h 38 min
